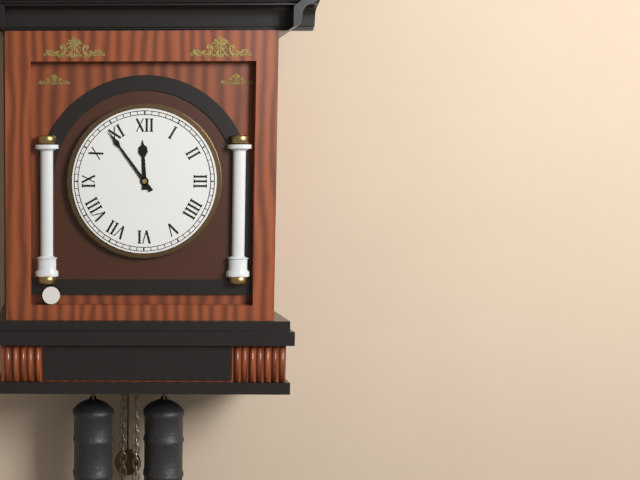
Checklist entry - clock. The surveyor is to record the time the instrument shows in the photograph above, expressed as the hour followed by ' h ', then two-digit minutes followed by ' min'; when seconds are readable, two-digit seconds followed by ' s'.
11 h 54 min
